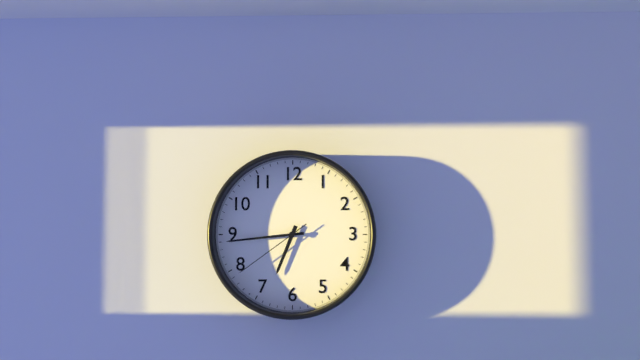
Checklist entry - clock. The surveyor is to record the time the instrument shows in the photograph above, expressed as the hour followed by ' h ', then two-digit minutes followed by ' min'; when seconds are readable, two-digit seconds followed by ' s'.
6 h 44 min 39 s
